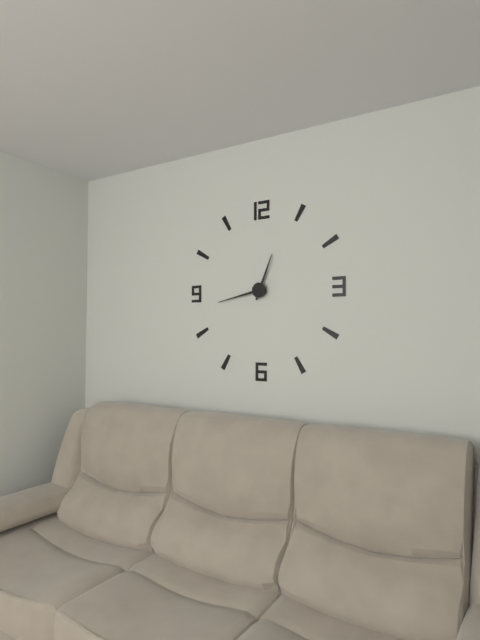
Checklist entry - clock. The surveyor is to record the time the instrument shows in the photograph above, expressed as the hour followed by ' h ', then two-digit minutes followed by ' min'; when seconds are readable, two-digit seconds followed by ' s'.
12 h 43 min
